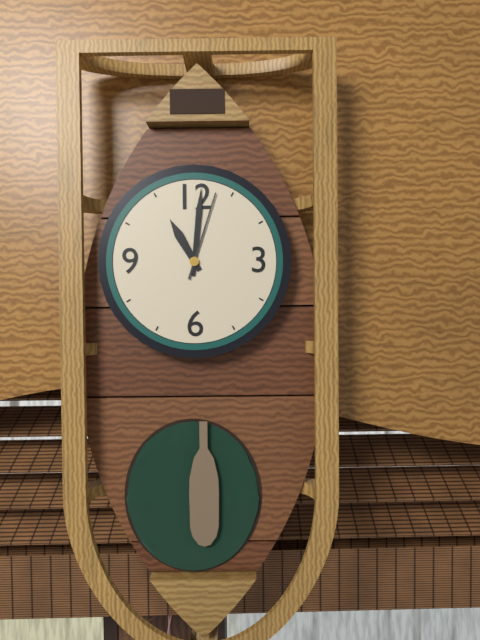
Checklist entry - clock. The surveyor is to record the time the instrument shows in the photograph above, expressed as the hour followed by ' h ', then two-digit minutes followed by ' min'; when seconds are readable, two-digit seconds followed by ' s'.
11 h 01 min 03 s
